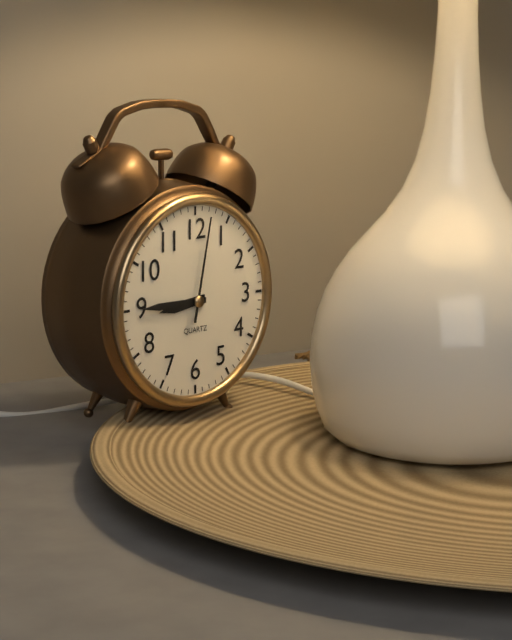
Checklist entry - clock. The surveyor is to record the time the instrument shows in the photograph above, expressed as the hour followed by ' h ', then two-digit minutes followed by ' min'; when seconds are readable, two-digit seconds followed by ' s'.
8 h 45 min 02 s
